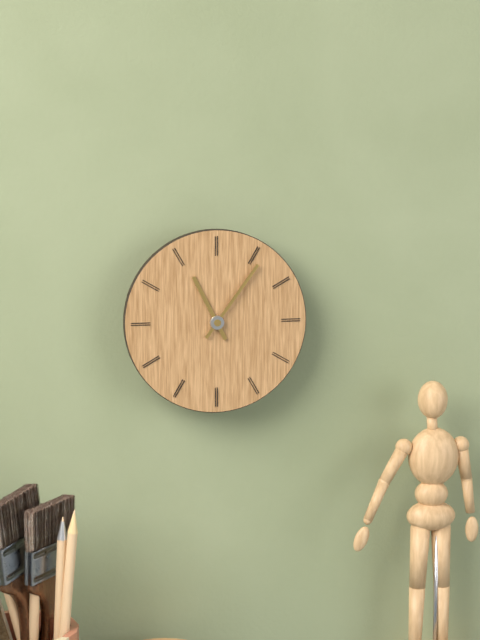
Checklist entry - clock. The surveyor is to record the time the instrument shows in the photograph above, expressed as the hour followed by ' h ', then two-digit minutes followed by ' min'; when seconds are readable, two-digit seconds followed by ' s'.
11 h 06 min
